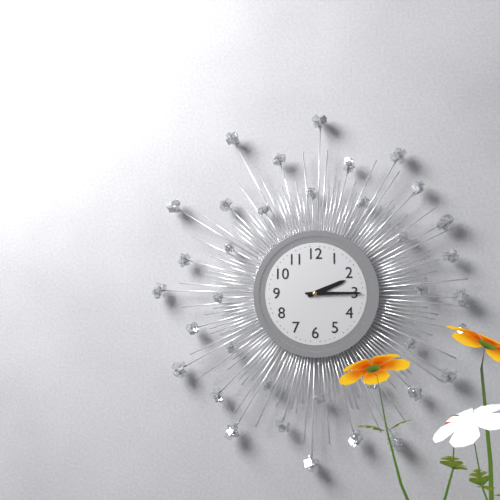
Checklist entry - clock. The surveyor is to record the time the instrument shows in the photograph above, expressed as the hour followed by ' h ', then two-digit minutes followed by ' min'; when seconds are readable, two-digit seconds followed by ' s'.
2 h 15 min
